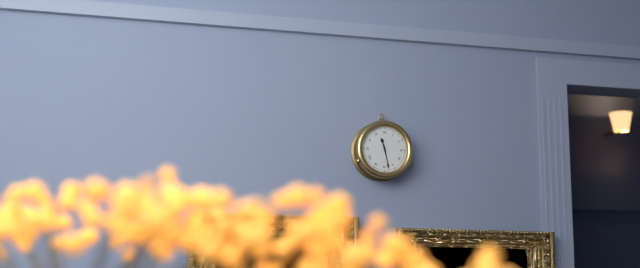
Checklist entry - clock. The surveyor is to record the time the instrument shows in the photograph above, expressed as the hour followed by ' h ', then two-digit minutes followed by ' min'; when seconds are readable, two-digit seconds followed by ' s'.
11 h 28 min
